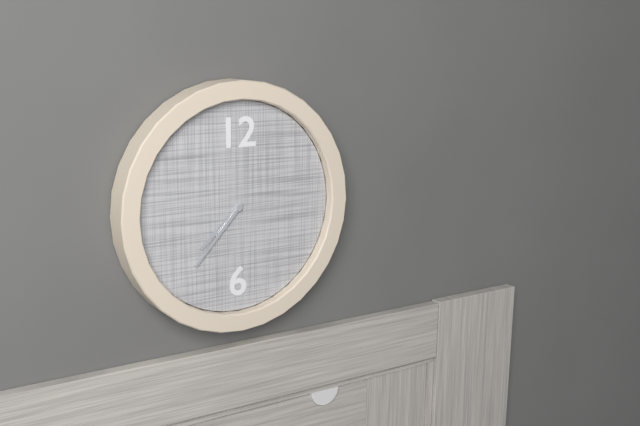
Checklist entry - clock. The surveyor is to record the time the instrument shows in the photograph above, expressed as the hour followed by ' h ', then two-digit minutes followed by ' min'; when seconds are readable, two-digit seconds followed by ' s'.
7 h 37 min
